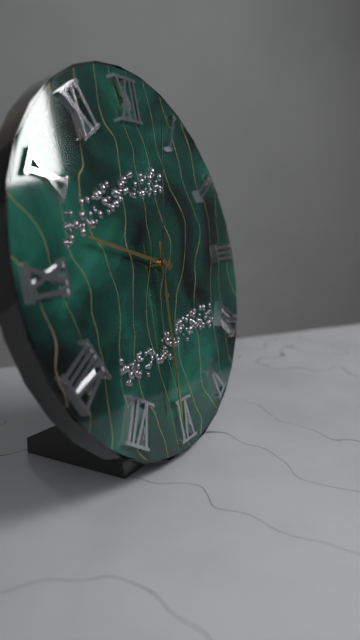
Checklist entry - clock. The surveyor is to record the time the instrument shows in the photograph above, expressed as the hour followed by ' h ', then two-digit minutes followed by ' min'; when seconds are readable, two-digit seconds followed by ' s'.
9 h 31 min 03 s
